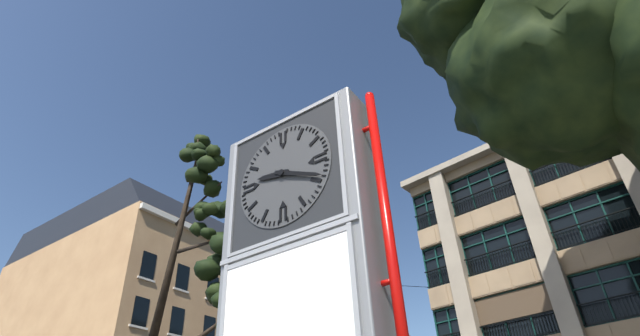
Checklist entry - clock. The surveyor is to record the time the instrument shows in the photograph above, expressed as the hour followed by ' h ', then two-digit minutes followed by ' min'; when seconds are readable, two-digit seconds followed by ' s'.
9 h 19 min
